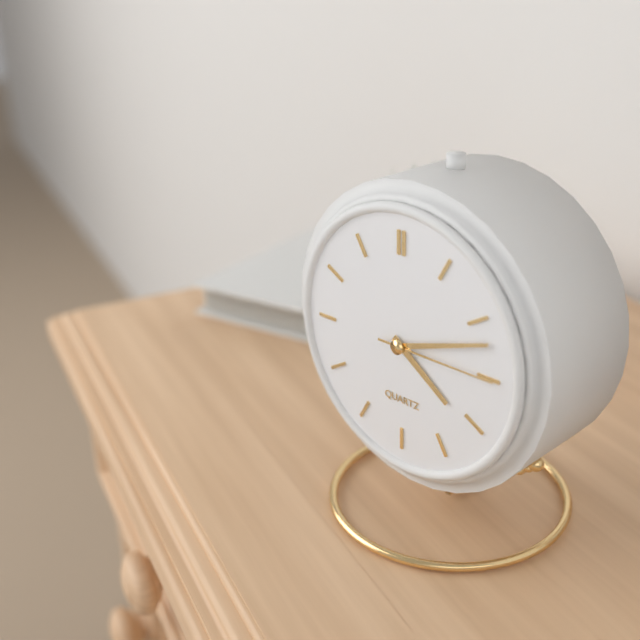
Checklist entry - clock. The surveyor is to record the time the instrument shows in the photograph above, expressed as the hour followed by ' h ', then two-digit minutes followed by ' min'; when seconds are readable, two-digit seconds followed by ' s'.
4 h 12 min 15 s
